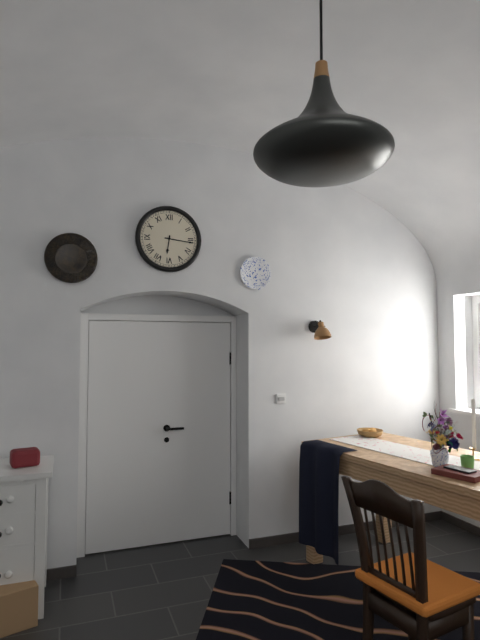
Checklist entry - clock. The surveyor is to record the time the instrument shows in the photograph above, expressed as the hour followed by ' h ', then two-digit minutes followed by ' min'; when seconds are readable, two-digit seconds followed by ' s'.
6 h 16 min
